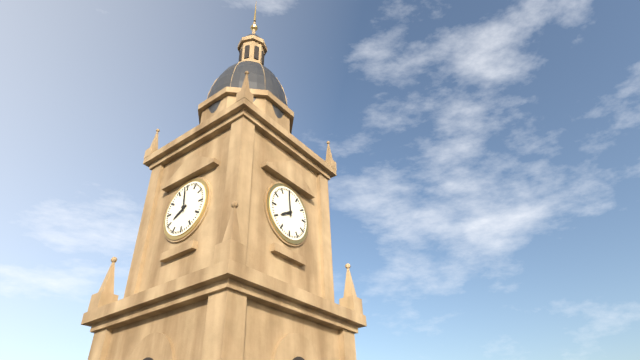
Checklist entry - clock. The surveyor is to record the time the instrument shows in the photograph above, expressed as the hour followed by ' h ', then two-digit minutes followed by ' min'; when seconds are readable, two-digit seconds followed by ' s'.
7 h 59 min
